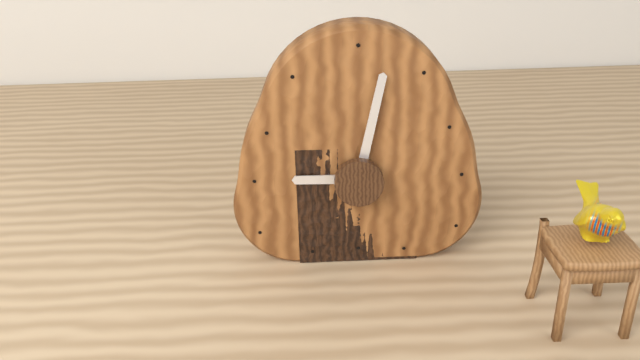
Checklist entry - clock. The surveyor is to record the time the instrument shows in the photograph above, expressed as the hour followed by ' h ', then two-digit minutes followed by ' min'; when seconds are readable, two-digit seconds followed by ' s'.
9 h 02 min
